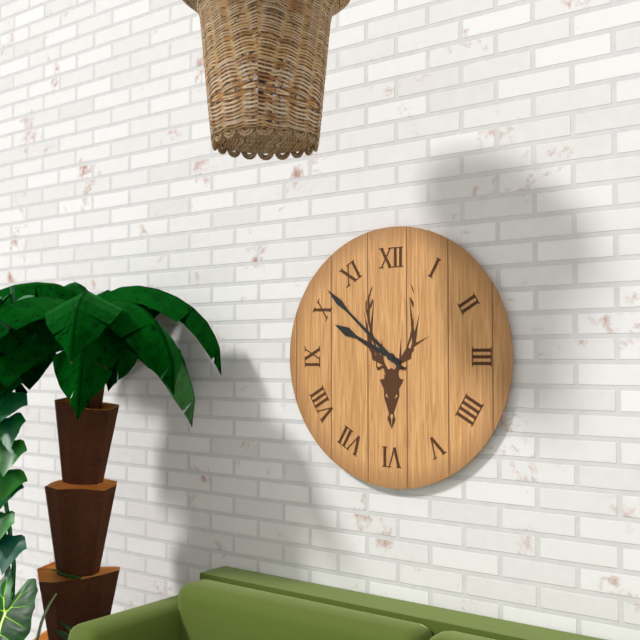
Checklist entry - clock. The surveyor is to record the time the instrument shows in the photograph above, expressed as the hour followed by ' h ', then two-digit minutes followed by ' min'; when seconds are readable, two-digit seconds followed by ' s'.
9 h 52 min
